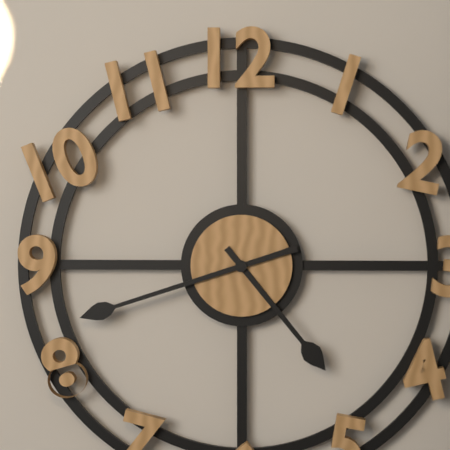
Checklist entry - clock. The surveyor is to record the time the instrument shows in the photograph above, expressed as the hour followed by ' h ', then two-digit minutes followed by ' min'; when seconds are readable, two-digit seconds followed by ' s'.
4 h 42 min
